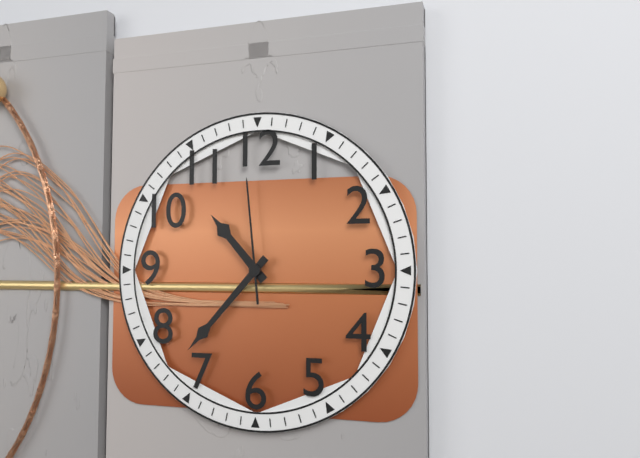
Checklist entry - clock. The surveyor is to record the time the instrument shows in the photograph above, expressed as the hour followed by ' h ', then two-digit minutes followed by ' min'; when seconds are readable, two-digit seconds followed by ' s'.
10 h 37 min 59 s
